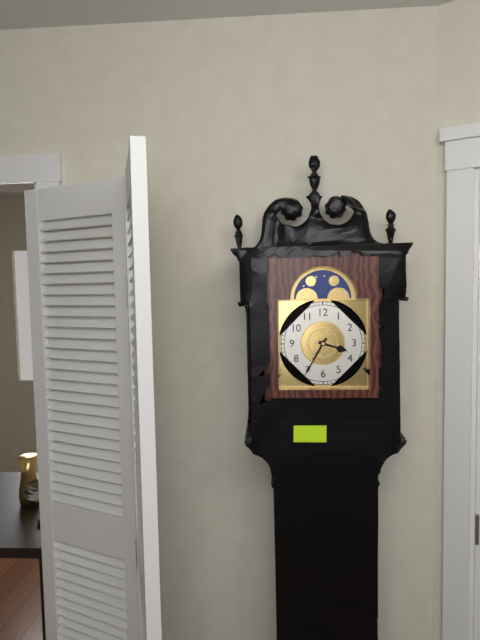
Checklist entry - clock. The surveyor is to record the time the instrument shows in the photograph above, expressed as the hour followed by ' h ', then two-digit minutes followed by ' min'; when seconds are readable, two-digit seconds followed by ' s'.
3 h 35 min
